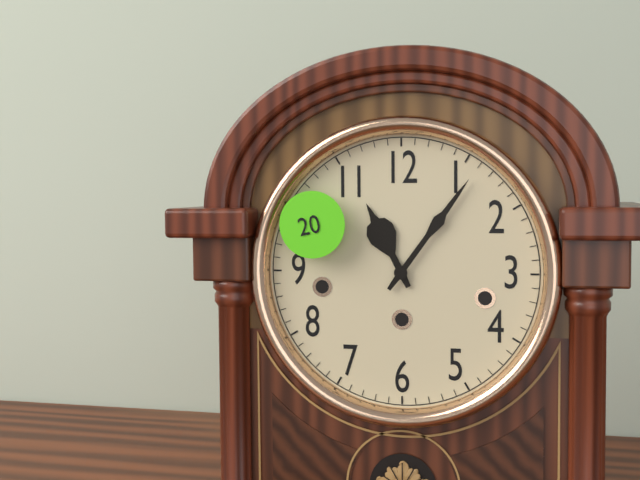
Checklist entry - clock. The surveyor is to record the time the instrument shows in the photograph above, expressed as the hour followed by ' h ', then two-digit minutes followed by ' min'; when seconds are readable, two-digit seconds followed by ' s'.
11 h 06 min
